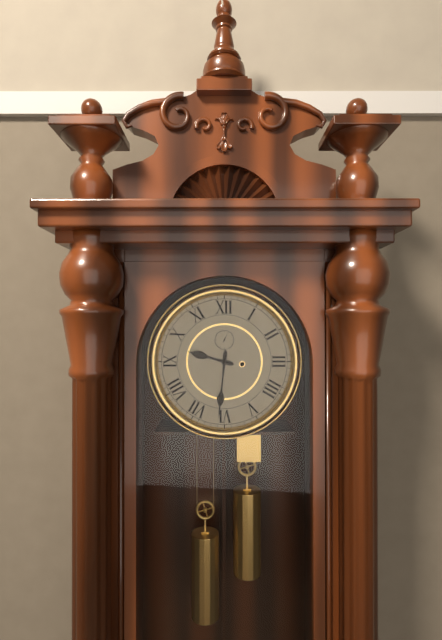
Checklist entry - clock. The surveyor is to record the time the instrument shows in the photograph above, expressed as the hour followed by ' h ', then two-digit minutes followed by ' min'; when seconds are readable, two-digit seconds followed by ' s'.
9 h 31 min
